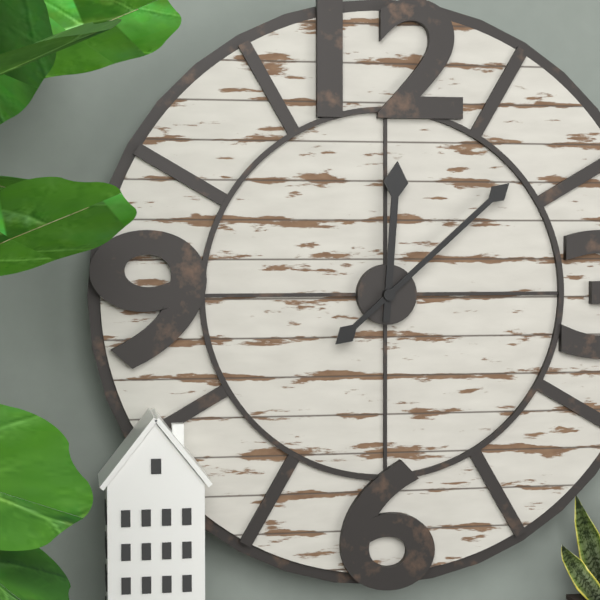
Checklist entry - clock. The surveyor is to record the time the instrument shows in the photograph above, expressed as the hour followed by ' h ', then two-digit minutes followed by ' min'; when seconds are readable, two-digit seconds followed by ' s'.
12 h 08 min
